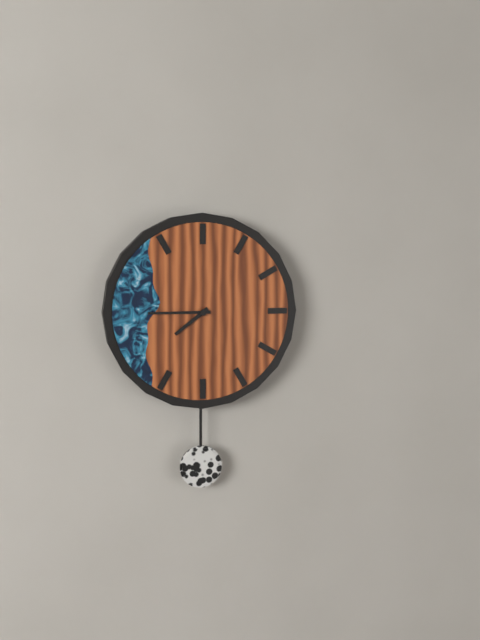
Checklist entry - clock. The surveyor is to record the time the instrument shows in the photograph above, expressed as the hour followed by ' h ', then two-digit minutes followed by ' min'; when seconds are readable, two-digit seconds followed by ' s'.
7 h 45 min
